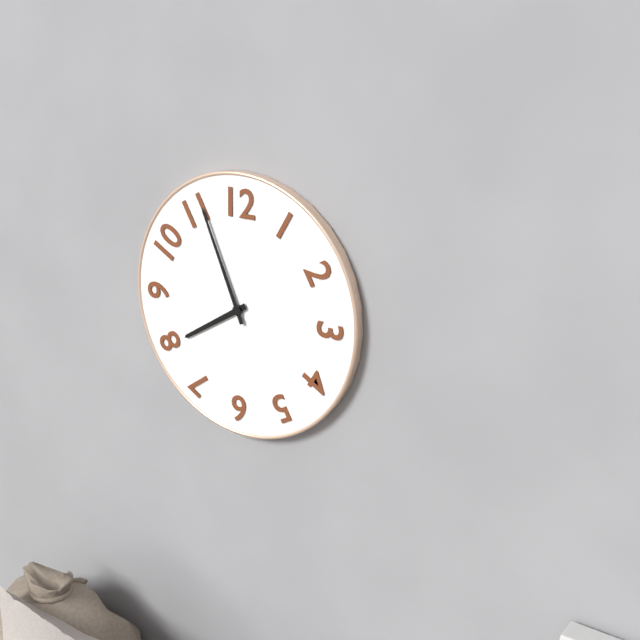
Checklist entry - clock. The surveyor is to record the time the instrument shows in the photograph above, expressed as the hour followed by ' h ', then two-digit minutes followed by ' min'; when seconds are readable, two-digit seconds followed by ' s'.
7 h 56 min
